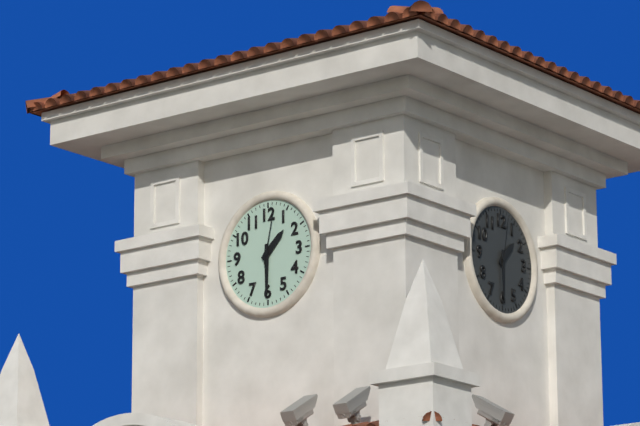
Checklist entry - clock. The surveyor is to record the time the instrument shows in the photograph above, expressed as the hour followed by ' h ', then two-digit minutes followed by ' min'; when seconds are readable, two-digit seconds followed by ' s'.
1 h 30 min 02 s
